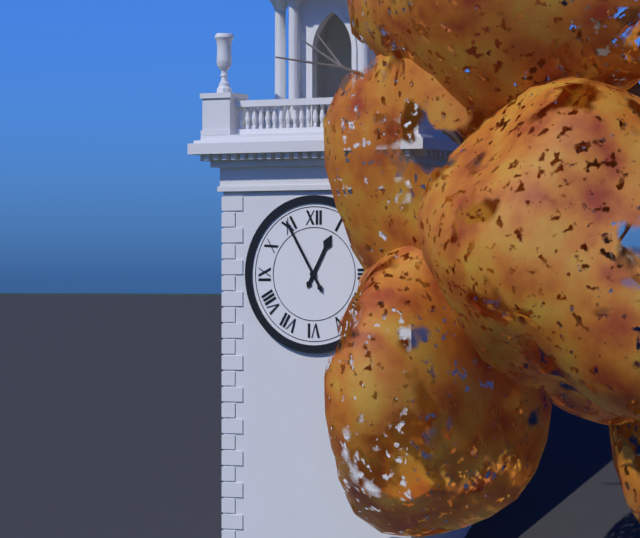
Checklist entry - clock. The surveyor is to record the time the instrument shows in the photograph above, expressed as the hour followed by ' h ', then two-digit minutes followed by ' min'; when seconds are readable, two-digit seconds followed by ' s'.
12 h 55 min
